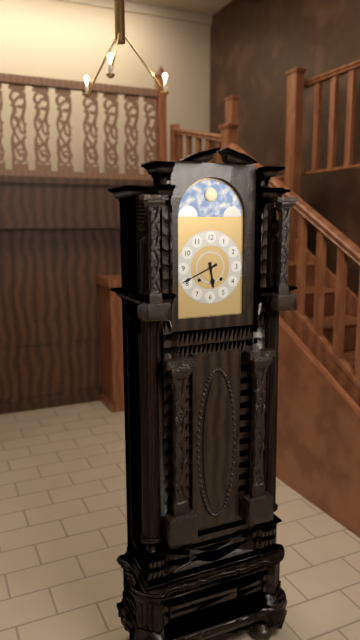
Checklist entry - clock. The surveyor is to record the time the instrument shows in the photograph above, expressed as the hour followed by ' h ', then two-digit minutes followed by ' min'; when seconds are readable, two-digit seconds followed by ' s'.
5 h 41 min
